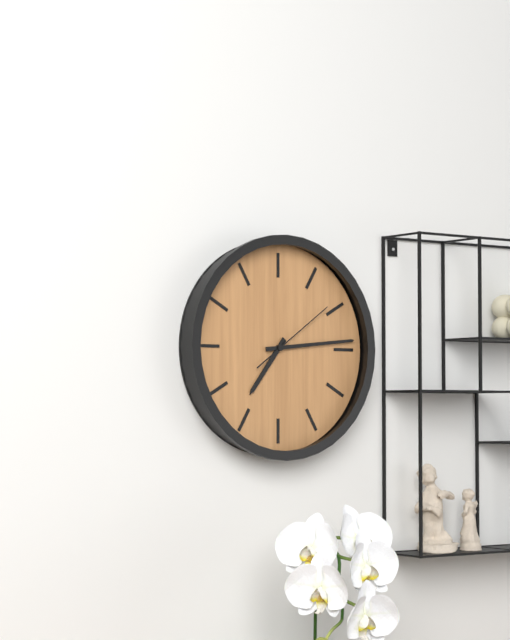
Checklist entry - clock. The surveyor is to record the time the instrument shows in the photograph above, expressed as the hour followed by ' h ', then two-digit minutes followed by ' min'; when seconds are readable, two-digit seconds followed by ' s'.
7 h 14 min 09 s
